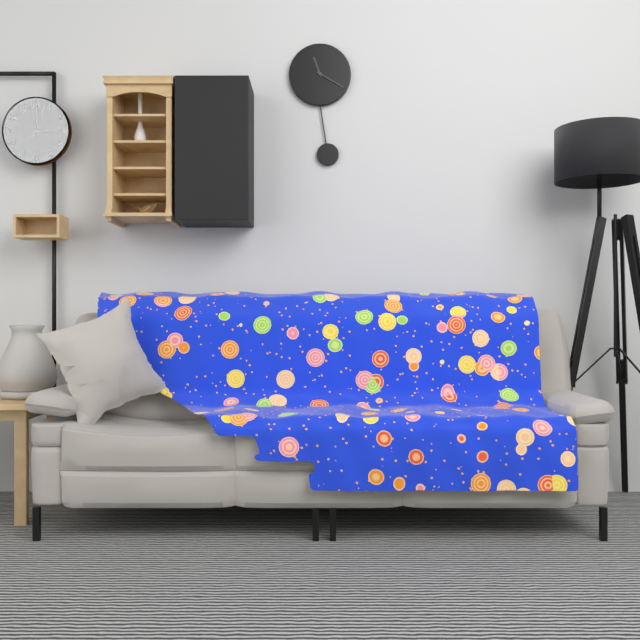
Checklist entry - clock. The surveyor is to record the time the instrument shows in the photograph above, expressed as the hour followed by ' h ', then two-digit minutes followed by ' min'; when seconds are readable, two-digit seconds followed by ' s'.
11 h 20 min
